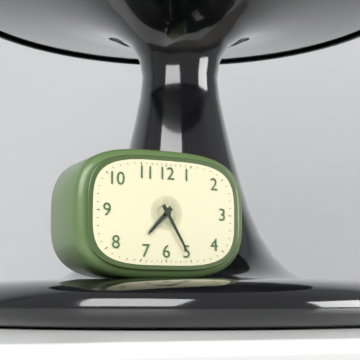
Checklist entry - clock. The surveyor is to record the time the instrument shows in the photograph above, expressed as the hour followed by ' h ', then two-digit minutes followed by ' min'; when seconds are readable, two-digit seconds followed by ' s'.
7 h 25 min
